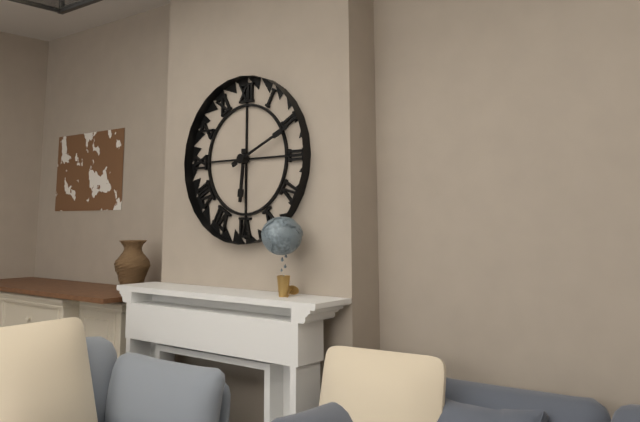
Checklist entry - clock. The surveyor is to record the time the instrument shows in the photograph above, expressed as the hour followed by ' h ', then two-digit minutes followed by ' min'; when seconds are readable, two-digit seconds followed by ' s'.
6 h 11 min
